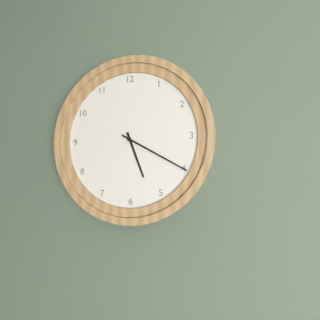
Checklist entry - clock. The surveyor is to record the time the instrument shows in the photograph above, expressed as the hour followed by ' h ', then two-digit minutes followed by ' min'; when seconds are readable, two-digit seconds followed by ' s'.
5 h 20 min
